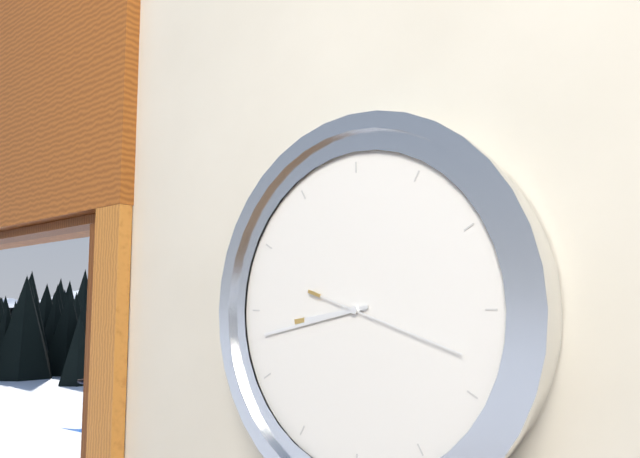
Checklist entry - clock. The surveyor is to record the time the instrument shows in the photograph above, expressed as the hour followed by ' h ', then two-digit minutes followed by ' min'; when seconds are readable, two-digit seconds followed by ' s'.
8 h 43 min 18 s
